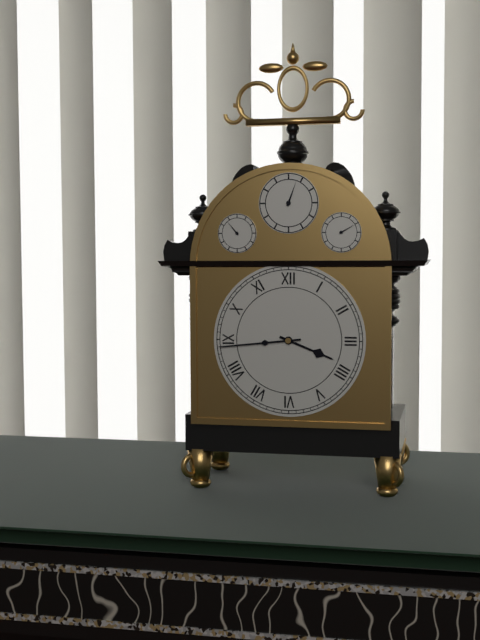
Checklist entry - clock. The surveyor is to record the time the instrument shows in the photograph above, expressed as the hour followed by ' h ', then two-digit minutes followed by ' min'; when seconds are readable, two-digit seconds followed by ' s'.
3 h 44 min
